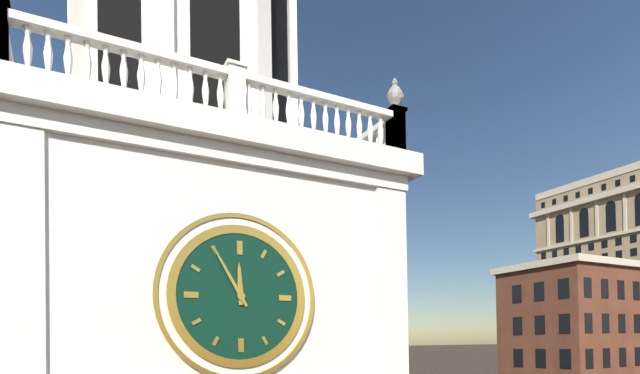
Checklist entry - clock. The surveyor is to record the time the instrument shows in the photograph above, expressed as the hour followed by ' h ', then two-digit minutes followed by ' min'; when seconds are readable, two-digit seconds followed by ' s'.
11 h 55 min
